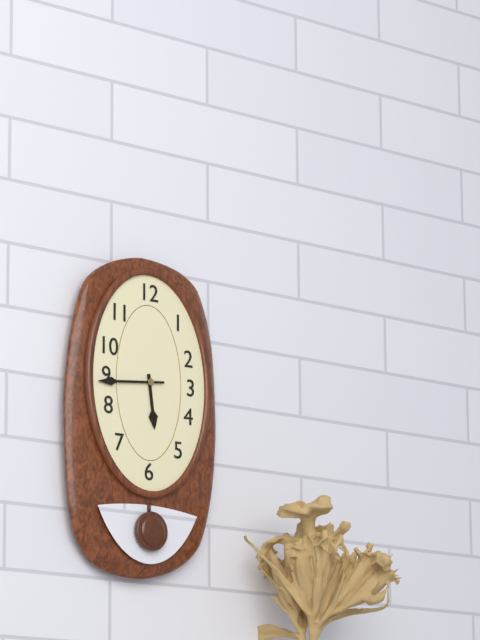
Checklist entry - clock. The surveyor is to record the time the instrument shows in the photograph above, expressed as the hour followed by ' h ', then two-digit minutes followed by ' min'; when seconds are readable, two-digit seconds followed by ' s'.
5 h 44 min
